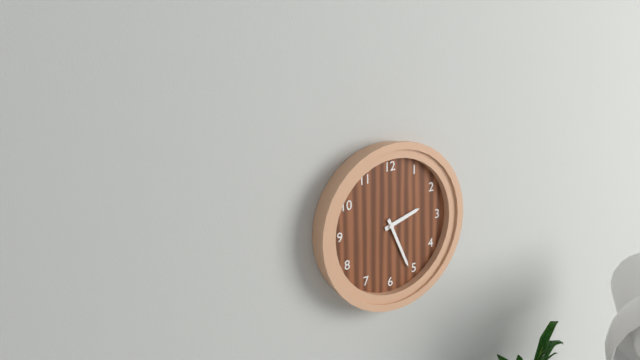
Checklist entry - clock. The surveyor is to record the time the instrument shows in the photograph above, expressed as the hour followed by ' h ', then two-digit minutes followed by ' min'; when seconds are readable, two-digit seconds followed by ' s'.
2 h 26 min
